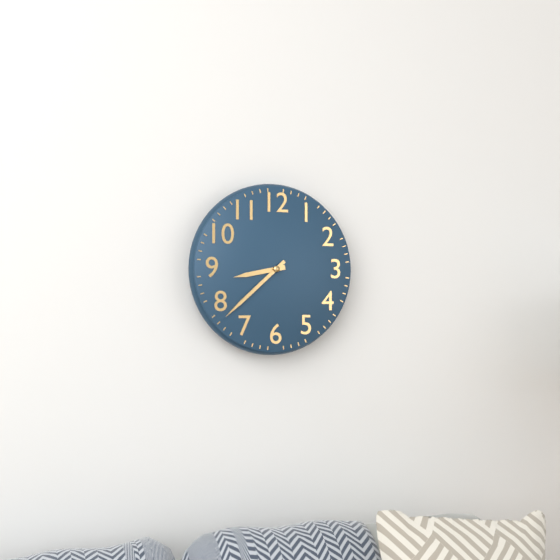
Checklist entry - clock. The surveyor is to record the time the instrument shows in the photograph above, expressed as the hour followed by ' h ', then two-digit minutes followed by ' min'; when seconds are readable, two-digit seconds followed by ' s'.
8 h 38 min
